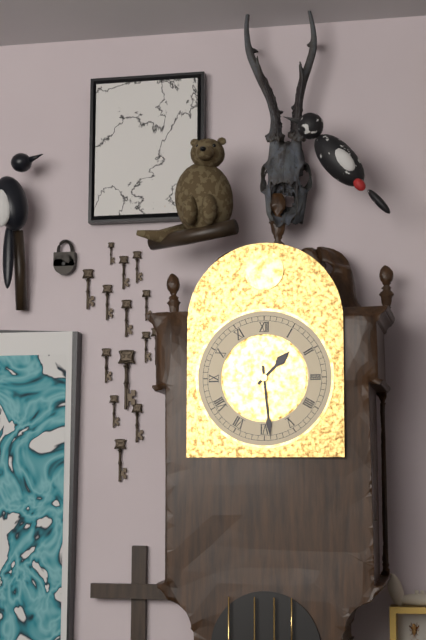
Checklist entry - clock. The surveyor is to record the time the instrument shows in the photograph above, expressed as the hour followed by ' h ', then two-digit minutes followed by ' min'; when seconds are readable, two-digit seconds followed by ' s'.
1 h 29 min
